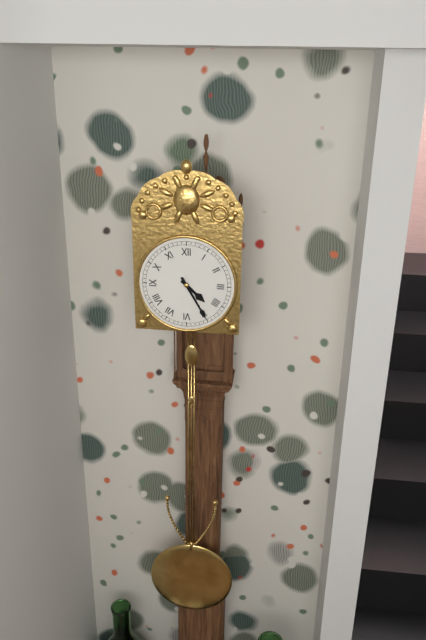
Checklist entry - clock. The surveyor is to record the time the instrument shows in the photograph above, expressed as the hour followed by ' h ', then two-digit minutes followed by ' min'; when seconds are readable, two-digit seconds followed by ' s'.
4 h 25 min
